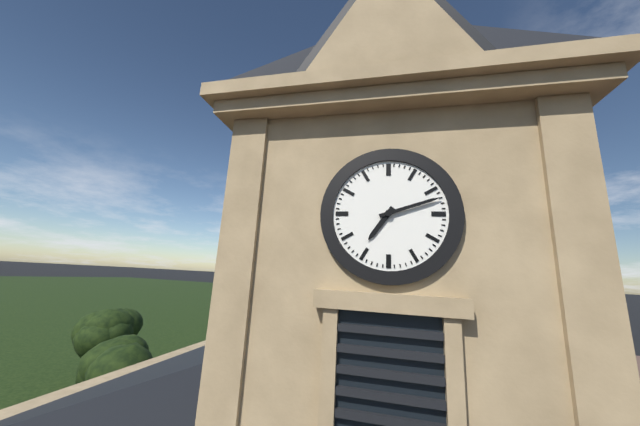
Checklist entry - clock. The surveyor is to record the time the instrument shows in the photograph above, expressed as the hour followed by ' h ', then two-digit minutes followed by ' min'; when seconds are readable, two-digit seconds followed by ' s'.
7 h 12 min
